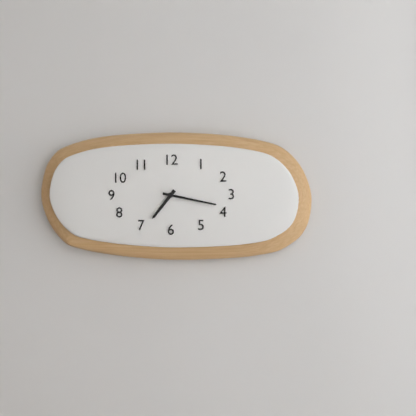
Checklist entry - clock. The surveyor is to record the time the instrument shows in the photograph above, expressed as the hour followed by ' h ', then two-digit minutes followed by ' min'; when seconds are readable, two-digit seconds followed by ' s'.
7 h 17 min
